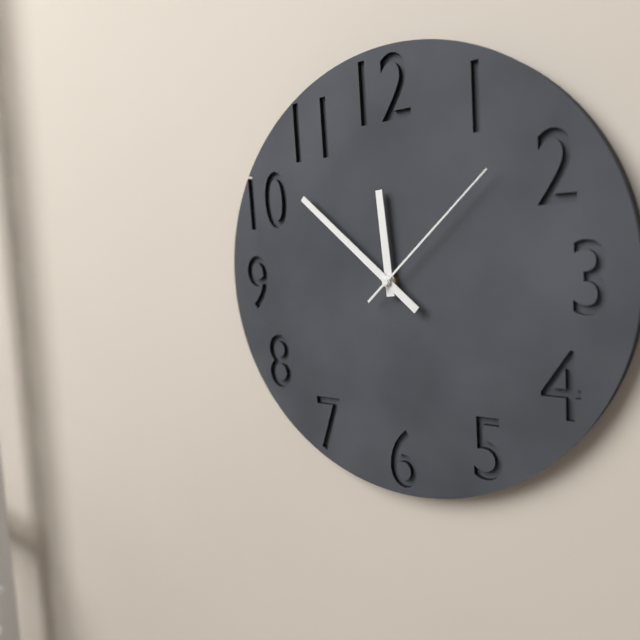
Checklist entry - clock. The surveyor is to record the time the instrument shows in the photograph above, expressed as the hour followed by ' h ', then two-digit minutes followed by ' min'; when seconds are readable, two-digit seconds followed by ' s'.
11 h 52 min 08 s
